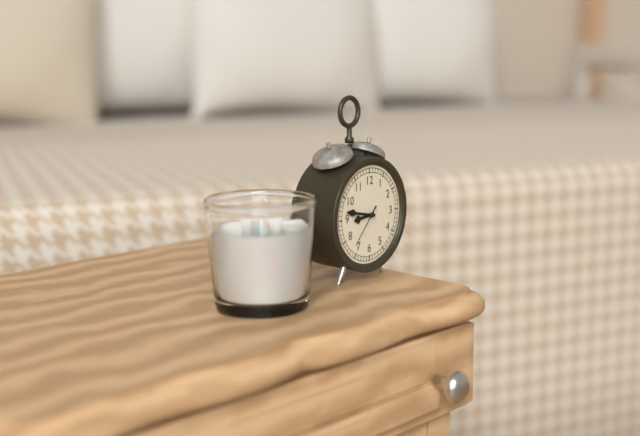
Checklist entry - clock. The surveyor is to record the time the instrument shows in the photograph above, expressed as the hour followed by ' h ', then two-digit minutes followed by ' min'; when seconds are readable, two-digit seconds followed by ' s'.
8 h 47 min
